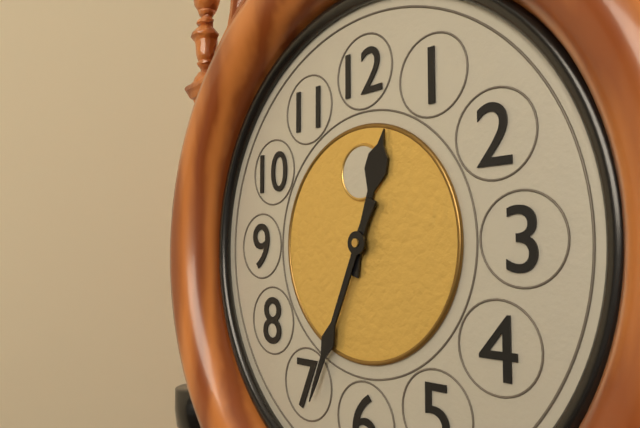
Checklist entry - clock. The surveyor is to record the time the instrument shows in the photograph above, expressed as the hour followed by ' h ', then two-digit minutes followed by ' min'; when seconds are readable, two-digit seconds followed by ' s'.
12 h 34 min
